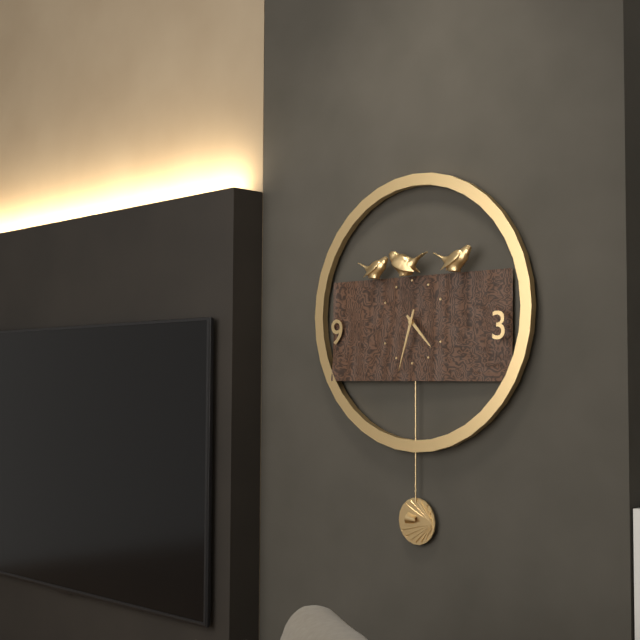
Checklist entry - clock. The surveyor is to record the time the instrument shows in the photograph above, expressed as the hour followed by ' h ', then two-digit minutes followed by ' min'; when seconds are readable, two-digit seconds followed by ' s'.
4 h 33 min
